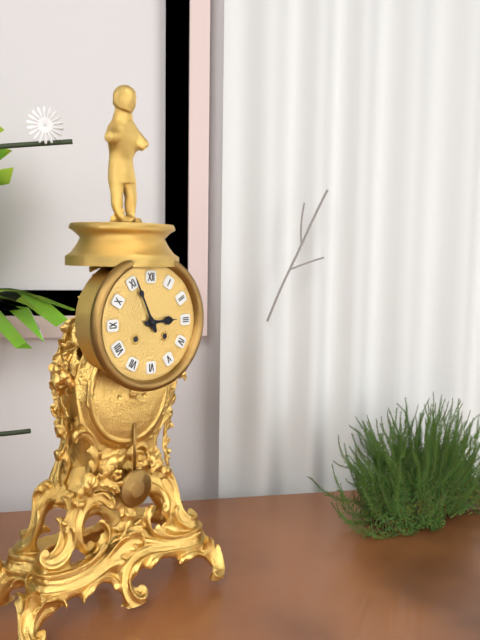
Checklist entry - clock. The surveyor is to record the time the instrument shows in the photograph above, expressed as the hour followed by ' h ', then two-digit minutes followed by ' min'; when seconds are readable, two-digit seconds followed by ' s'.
2 h 56 min
